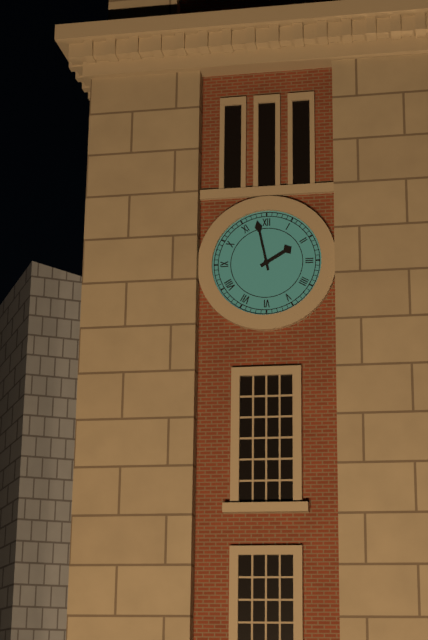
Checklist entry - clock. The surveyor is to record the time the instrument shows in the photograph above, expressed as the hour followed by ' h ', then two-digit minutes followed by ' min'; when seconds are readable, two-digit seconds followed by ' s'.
1 h 58 min
